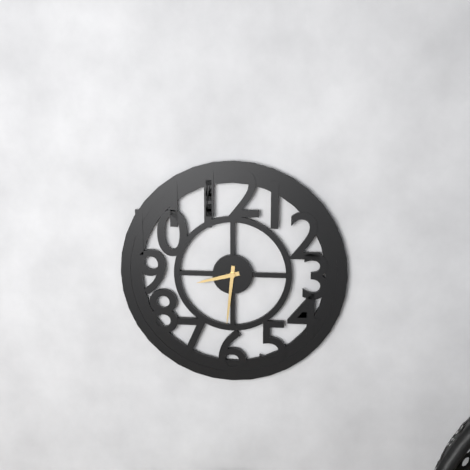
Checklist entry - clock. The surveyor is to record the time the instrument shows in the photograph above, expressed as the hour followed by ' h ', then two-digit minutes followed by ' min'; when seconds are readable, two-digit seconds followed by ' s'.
8 h 31 min
